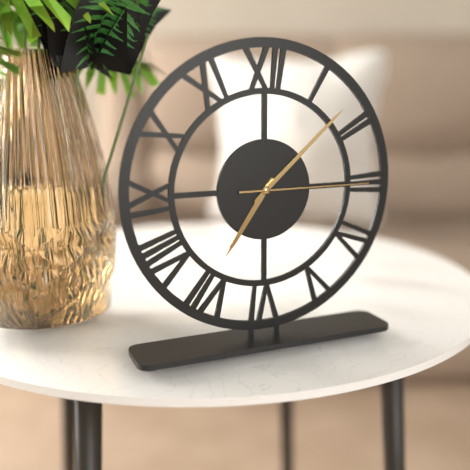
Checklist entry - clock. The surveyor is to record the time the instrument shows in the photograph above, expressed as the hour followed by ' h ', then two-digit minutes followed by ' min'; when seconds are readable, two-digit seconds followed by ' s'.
7 h 08 min 15 s
